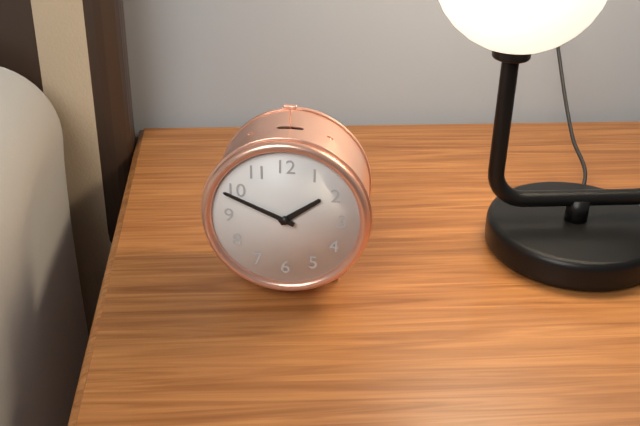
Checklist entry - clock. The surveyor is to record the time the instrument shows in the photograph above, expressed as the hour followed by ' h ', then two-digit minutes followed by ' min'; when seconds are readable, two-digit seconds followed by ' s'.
1 h 49 min
